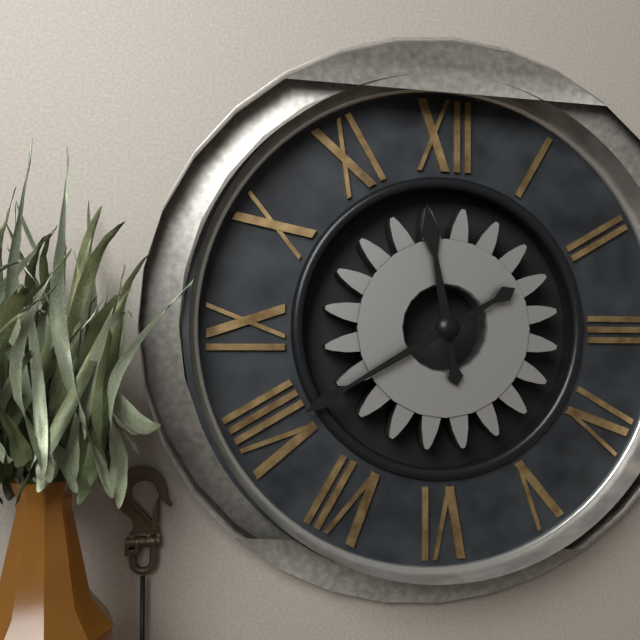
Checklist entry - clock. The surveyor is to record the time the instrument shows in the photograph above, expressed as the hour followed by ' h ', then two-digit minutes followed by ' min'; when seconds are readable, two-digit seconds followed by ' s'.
11 h 40 min
